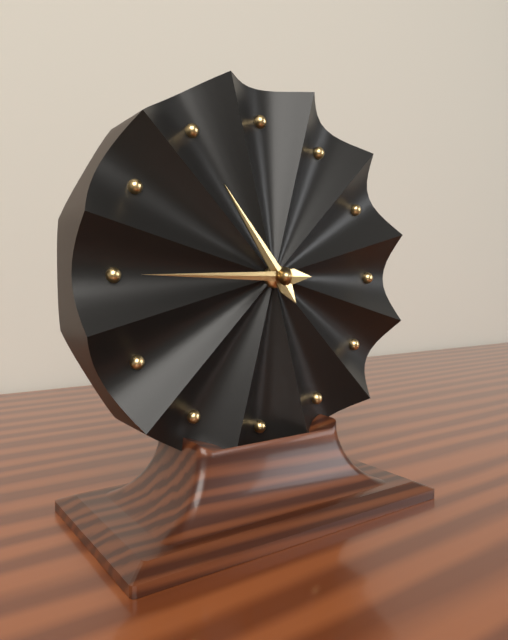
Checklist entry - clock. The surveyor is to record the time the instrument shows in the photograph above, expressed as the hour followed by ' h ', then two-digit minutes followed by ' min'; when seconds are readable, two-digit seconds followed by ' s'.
10 h 45 min
